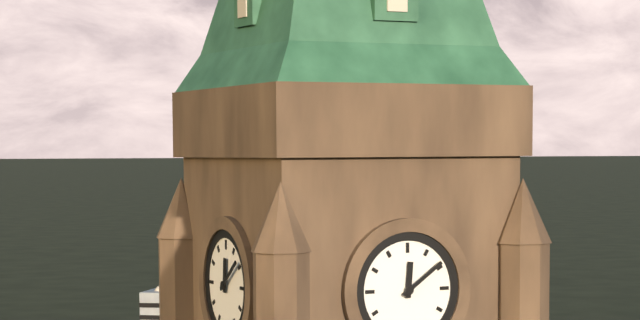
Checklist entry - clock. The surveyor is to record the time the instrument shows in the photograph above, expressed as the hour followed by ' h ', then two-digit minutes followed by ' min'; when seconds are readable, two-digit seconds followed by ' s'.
12 h 09 min
